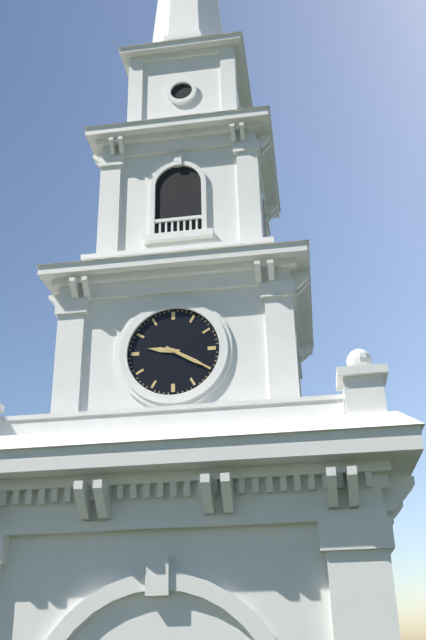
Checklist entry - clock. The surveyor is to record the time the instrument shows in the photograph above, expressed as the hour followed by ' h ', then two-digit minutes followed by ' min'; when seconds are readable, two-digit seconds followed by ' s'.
9 h 20 min
